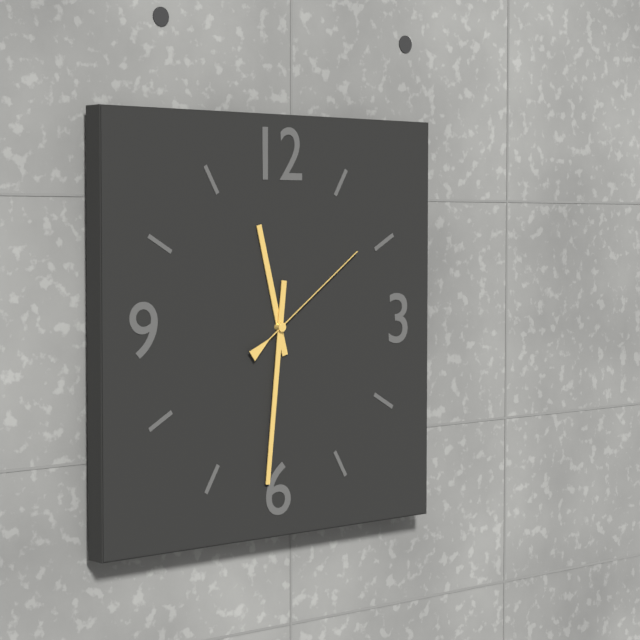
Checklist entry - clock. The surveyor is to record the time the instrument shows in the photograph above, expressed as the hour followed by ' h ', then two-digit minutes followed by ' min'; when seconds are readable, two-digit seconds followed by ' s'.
11 h 31 min 09 s
